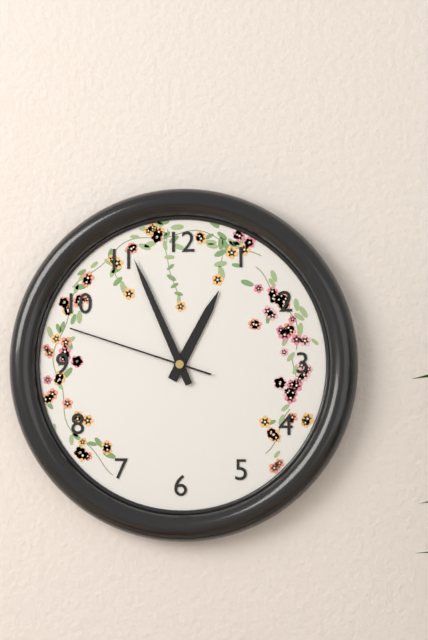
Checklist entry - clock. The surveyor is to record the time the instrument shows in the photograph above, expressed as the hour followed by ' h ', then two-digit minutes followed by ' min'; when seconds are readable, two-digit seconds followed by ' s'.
12 h 56 min 48 s
